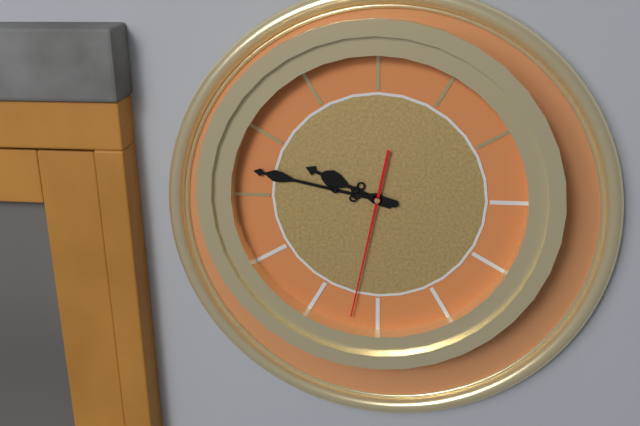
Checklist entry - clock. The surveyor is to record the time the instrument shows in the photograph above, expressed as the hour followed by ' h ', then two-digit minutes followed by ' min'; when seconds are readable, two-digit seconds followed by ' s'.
9 h 47 min 32 s
